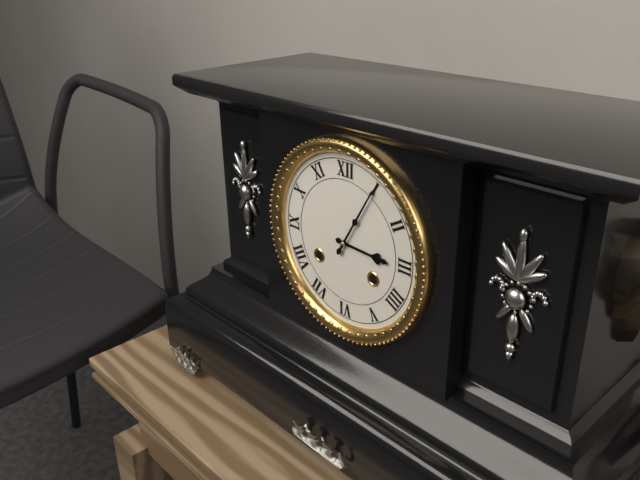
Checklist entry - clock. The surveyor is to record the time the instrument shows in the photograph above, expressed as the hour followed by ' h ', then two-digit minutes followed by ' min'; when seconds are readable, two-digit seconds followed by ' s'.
3 h 05 min
